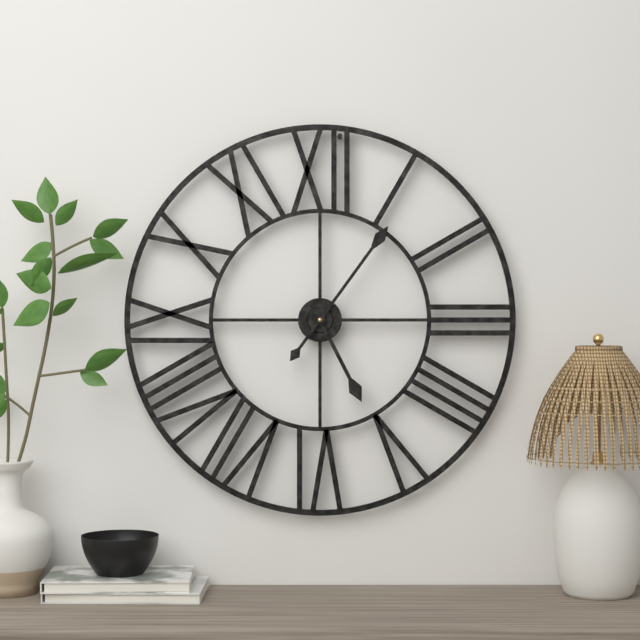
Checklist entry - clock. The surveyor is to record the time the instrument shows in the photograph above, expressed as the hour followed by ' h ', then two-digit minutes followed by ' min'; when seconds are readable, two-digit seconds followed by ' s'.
5 h 06 min
